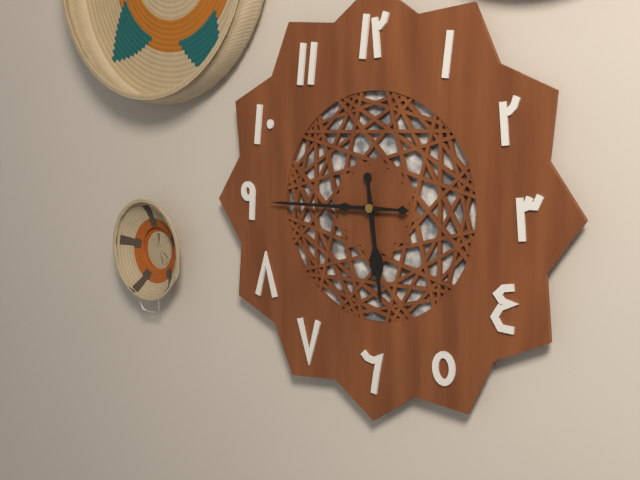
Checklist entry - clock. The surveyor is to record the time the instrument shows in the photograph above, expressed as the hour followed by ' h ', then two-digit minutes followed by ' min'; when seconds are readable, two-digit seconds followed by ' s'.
5 h 45 min
